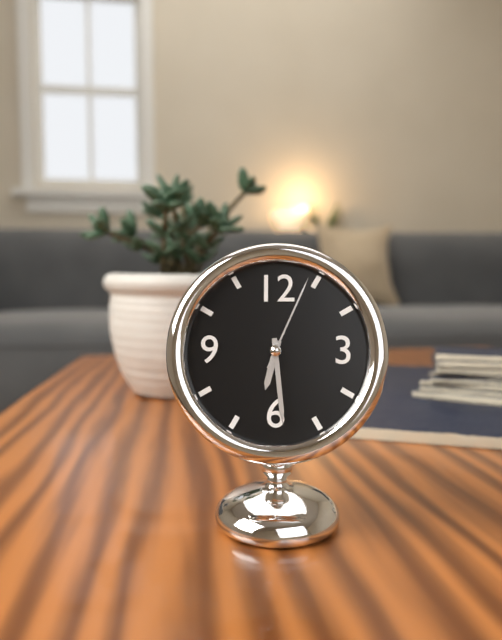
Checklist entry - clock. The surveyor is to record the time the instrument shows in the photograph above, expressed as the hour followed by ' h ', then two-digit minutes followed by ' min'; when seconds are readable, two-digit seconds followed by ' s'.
6 h 29 min 04 s
